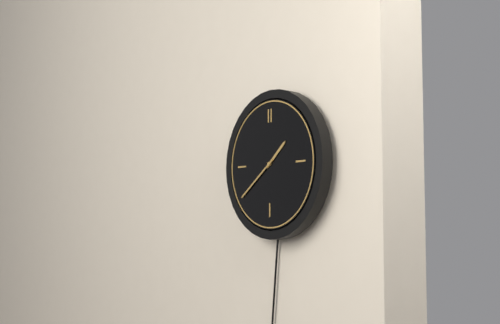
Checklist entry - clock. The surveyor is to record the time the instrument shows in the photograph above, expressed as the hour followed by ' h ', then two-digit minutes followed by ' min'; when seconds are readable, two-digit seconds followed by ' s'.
1 h 39 min
